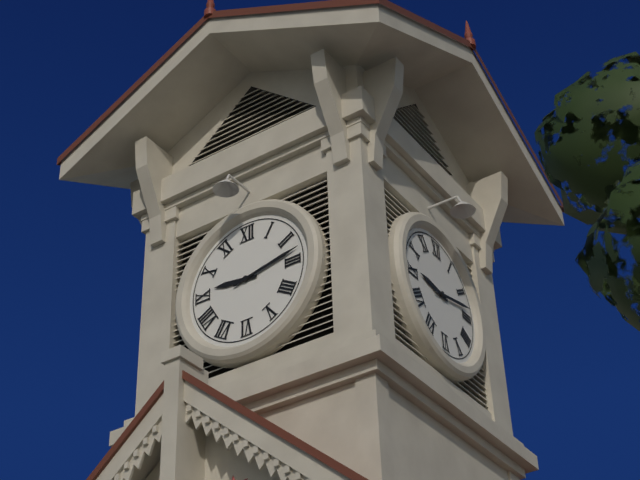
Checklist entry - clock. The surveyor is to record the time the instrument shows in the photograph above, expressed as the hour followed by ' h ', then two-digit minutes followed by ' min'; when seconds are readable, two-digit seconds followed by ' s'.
9 h 13 min
